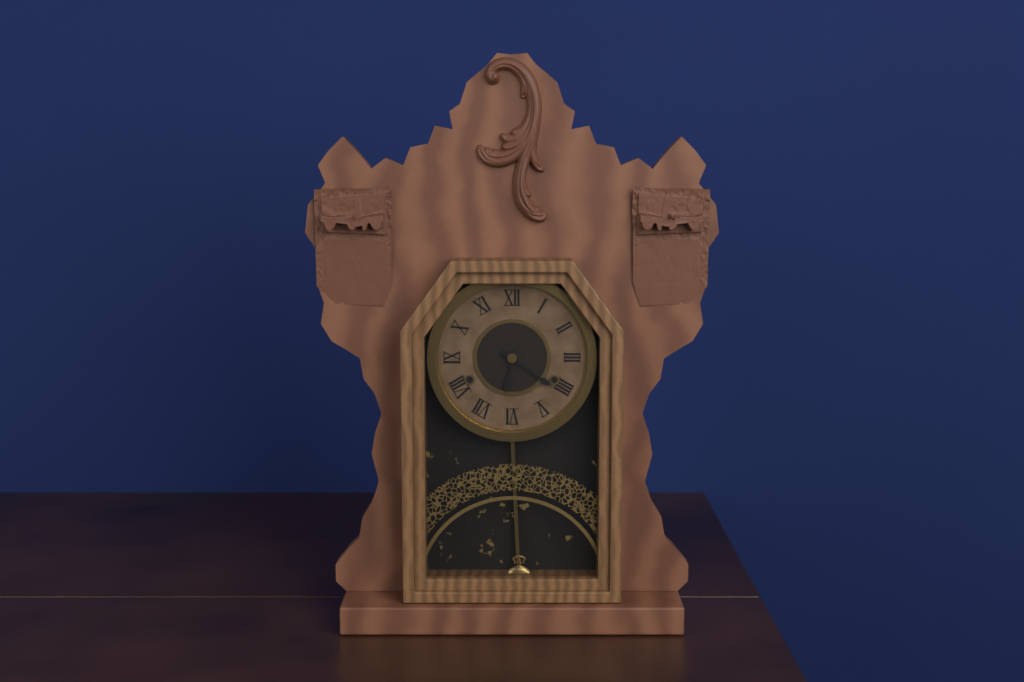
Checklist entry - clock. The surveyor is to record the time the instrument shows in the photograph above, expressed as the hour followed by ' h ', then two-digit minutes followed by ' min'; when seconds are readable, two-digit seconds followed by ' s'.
6 h 21 min
